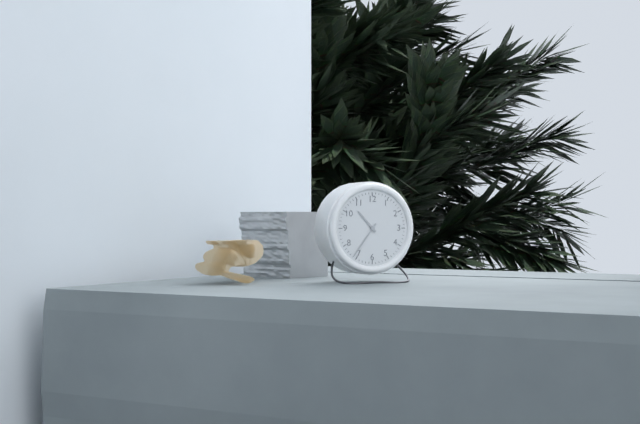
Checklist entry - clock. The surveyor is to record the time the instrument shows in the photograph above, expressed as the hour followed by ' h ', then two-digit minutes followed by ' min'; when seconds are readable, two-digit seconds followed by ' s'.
10 h 36 min
